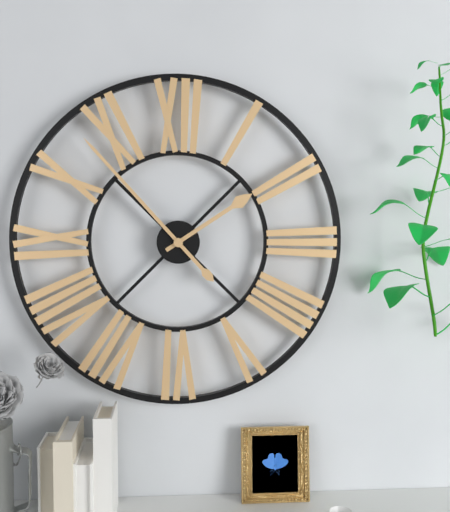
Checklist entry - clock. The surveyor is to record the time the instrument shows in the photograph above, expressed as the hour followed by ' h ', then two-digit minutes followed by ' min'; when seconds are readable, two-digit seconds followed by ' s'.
1 h 53 min
